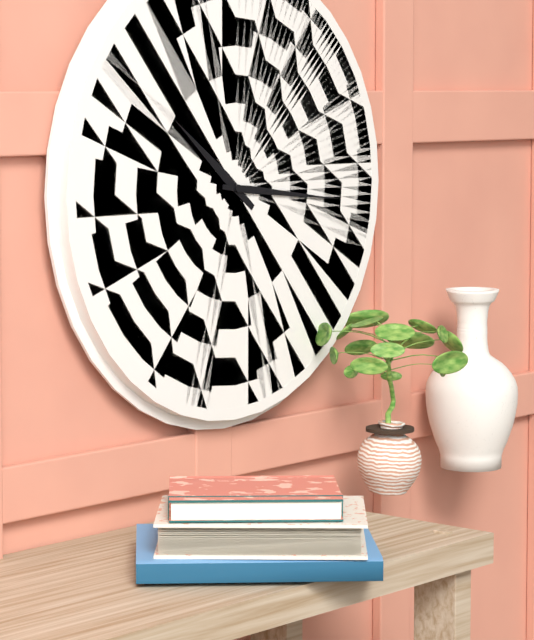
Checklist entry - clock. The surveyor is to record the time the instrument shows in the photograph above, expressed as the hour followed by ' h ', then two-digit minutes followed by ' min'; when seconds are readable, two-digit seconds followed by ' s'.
10 h 16 min
